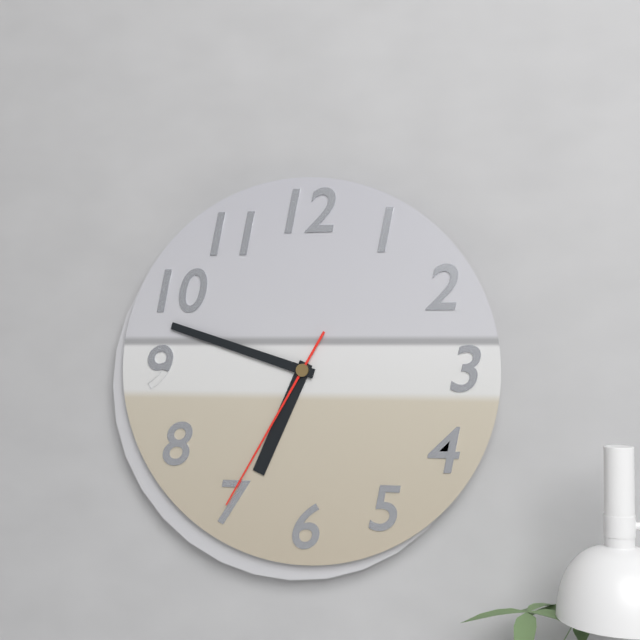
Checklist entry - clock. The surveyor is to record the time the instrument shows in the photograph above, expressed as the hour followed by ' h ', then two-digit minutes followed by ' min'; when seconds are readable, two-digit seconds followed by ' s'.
6 h 48 min 35 s
